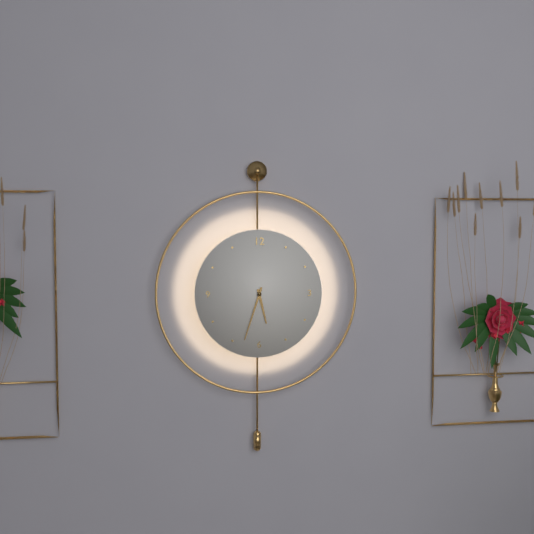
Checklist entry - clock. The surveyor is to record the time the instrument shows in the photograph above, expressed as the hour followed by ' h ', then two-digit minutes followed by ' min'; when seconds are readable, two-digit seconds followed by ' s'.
5 h 33 min
